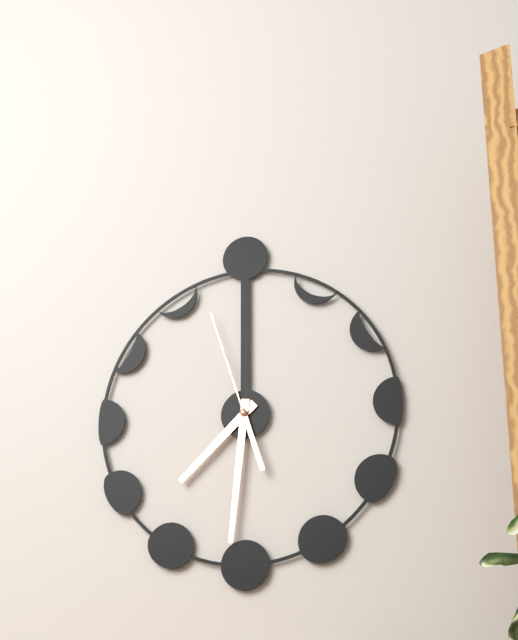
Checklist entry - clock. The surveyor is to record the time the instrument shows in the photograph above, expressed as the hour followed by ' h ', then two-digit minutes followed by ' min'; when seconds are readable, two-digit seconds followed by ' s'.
7 h 31 min 57 s
